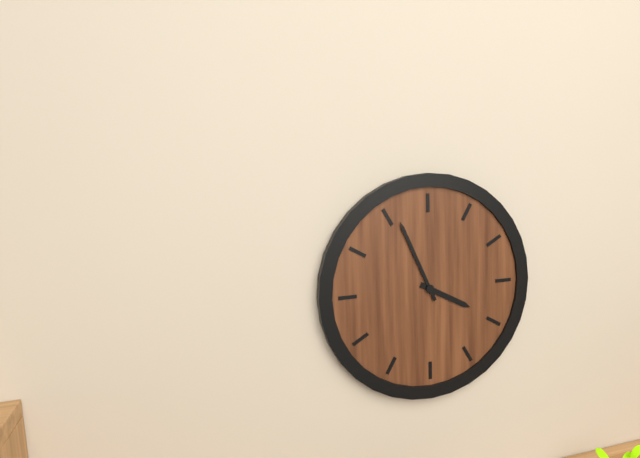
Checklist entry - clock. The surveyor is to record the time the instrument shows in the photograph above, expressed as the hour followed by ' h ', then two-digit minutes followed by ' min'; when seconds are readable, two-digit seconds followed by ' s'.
3 h 56 min
